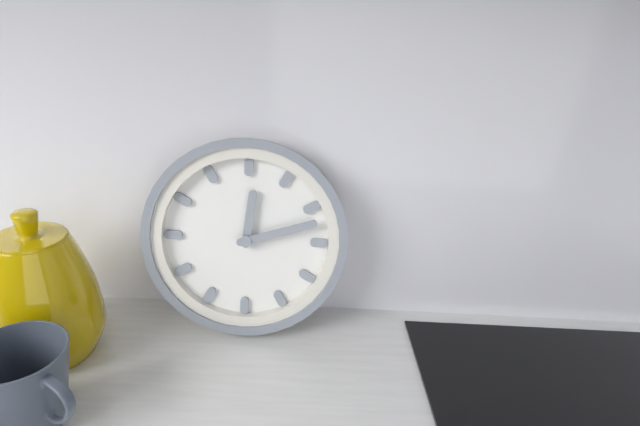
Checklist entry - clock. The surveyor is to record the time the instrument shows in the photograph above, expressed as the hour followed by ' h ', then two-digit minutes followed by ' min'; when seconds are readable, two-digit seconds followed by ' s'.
12 h 12 min
